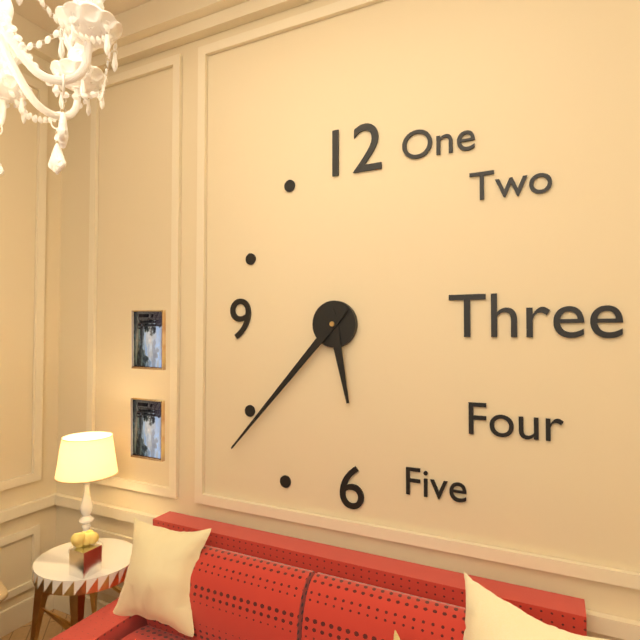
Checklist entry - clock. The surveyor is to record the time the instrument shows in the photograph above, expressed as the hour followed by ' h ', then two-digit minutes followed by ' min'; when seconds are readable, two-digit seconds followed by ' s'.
5 h 37 min
